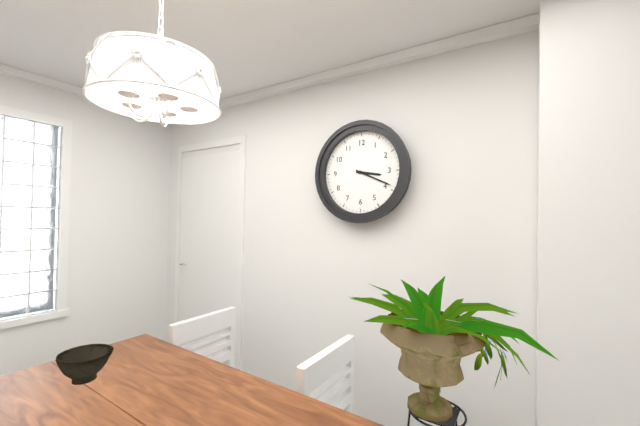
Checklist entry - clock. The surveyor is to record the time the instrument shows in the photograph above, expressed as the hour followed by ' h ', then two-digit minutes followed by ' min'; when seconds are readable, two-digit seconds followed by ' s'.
3 h 19 min
